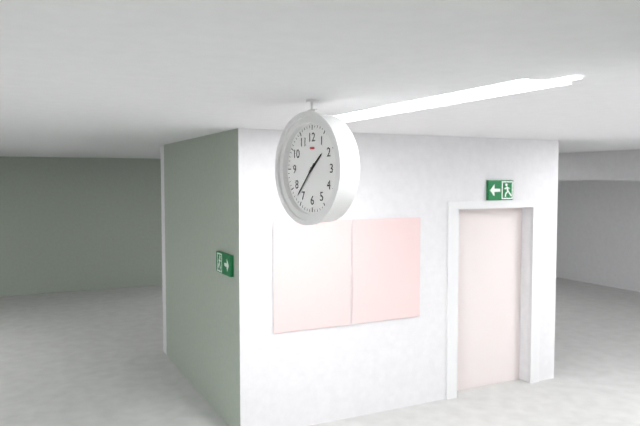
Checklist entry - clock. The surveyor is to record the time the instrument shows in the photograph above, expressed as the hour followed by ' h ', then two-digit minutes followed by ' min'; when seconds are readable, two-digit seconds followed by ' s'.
1 h 37 min
